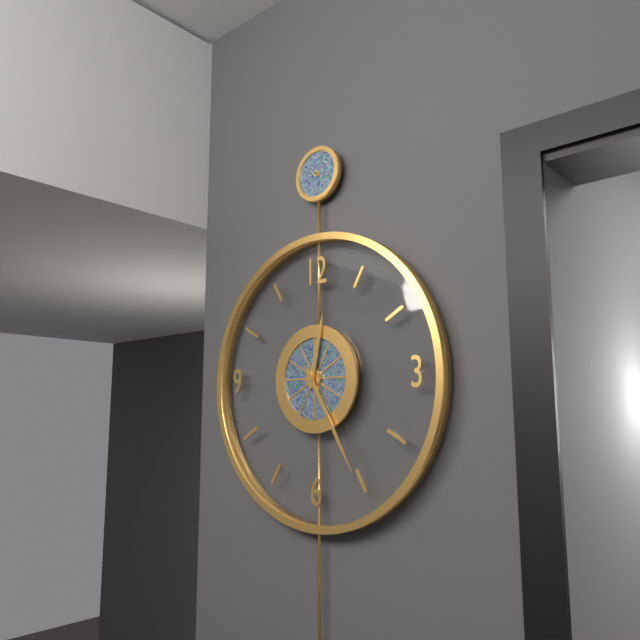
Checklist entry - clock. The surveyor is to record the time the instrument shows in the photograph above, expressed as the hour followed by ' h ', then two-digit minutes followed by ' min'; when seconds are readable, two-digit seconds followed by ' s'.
12 h 25 min
